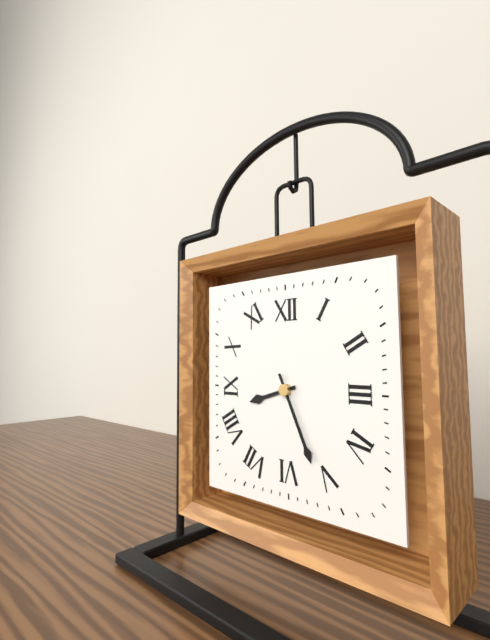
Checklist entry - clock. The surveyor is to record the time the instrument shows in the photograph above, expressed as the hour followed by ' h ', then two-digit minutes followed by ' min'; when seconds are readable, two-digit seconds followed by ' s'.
8 h 26 min
